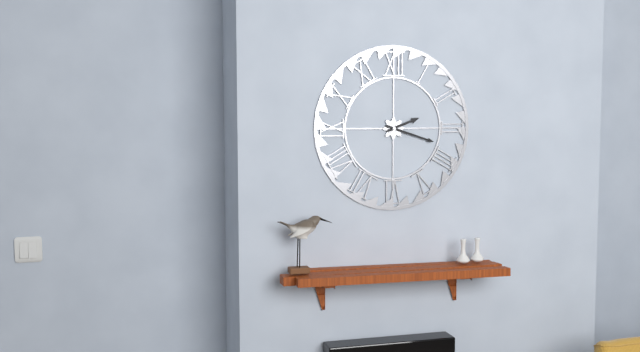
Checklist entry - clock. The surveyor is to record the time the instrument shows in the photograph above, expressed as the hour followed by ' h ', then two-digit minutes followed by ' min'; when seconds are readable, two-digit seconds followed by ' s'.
2 h 18 min
